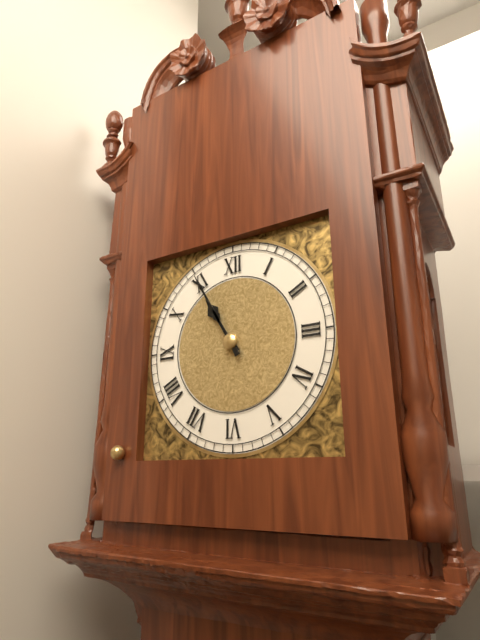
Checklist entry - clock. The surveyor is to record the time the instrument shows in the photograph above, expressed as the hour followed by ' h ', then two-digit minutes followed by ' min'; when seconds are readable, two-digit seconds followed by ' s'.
10 h 55 min
